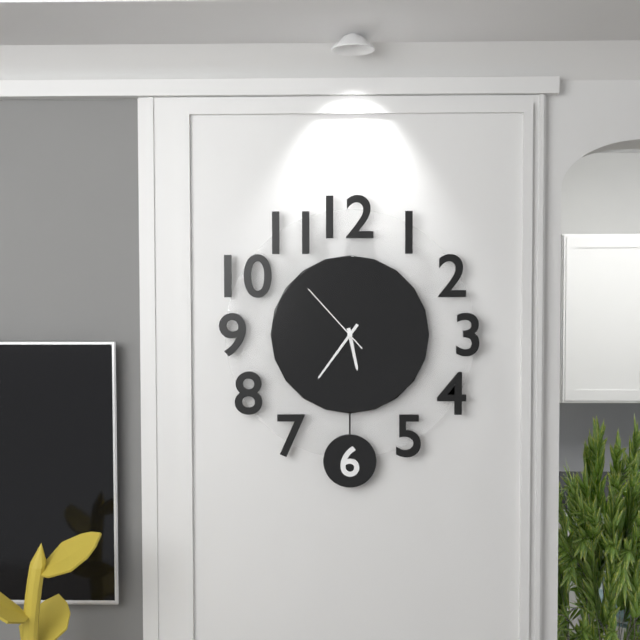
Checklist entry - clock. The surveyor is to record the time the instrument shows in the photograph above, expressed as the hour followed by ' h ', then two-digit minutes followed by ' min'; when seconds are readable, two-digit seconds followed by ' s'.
5 h 36 min 53 s
